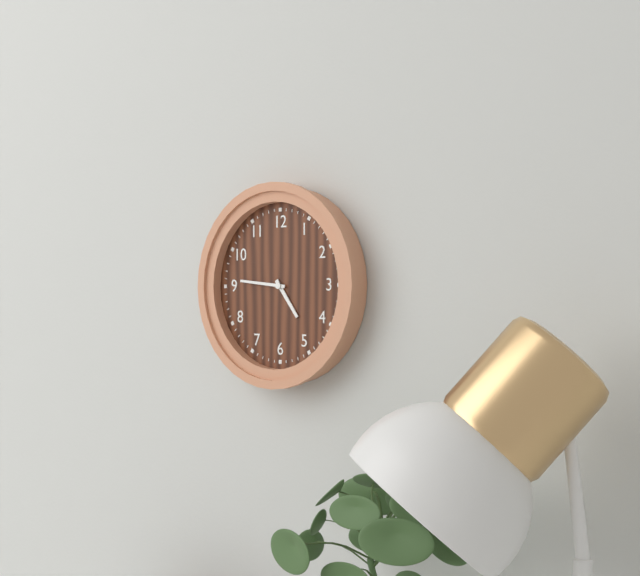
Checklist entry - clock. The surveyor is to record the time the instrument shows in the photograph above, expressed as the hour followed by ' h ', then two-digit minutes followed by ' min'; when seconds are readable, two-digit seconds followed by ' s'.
4 h 46 min
